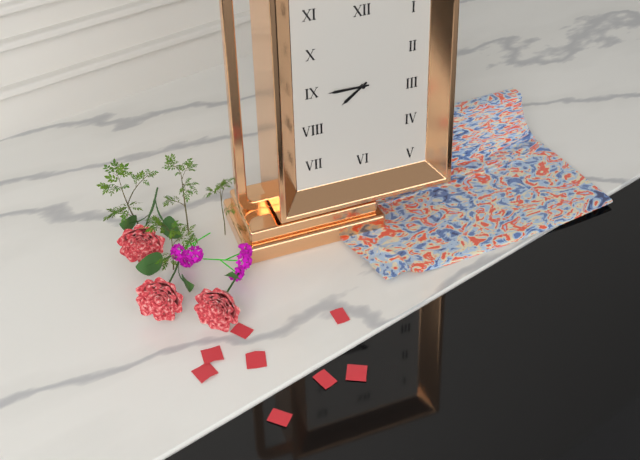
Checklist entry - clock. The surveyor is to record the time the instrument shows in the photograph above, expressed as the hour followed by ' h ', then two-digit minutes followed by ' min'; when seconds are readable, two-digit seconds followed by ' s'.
7 h 45 min
